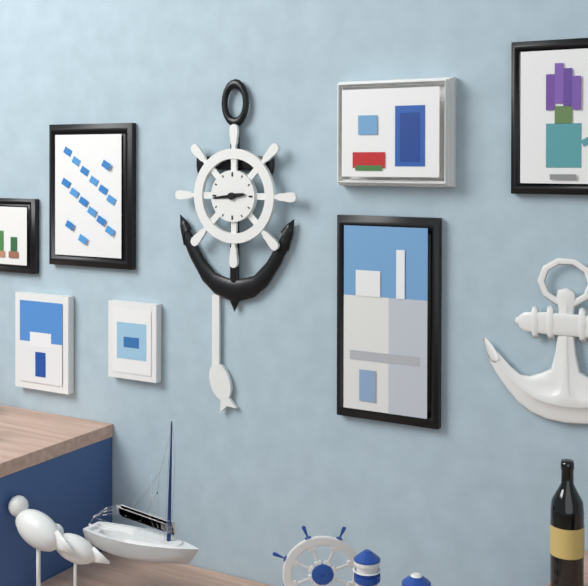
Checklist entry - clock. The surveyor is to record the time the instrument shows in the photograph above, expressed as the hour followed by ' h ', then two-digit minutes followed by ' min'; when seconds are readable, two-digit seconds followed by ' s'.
2 h 44 min
